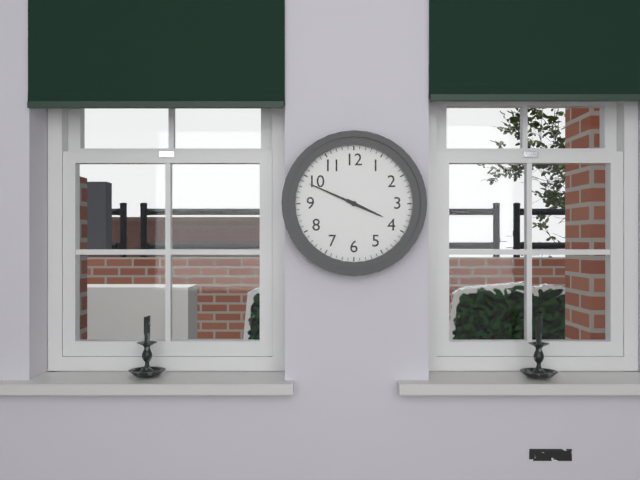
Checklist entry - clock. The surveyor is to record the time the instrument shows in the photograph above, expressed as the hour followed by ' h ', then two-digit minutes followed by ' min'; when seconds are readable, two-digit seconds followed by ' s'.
3 h 49 min
